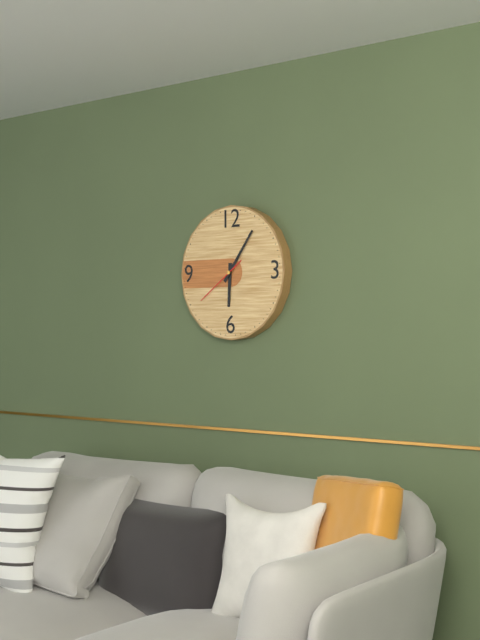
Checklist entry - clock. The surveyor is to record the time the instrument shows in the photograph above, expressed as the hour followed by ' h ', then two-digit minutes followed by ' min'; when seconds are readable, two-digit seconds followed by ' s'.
6 h 06 min
